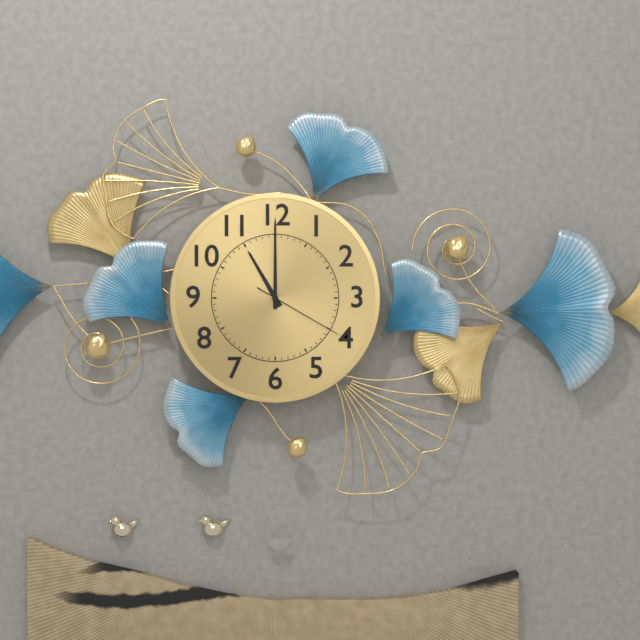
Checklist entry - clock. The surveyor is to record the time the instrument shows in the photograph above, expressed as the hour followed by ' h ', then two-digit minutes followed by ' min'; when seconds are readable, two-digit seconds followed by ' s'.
11 h 00 min 20 s
